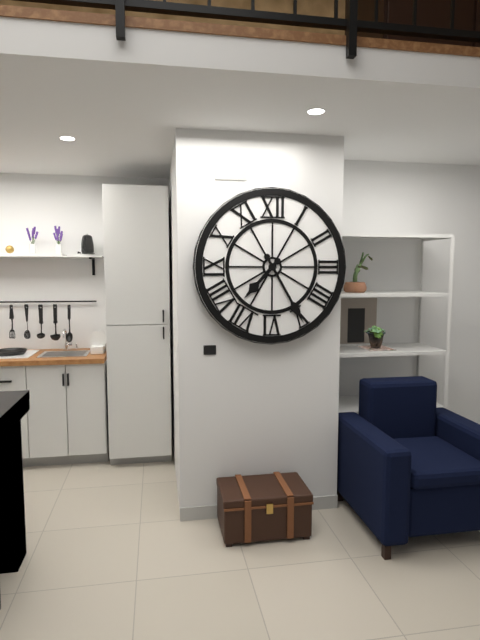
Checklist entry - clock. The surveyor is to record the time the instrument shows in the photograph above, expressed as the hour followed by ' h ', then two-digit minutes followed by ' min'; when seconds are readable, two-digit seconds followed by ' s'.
7 h 25 min
